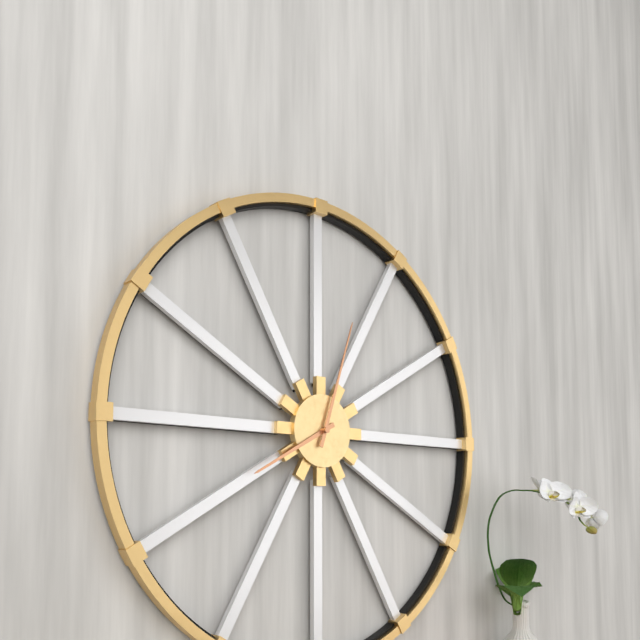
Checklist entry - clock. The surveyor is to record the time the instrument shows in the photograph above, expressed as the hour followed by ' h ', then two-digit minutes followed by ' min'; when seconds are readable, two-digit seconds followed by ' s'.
8 h 03 min
